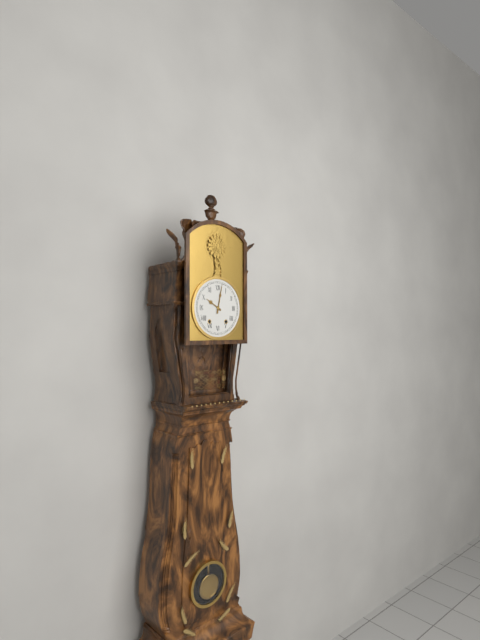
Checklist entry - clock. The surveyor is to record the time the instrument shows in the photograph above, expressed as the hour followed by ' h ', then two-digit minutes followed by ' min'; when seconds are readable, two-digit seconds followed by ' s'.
10 h 02 min
